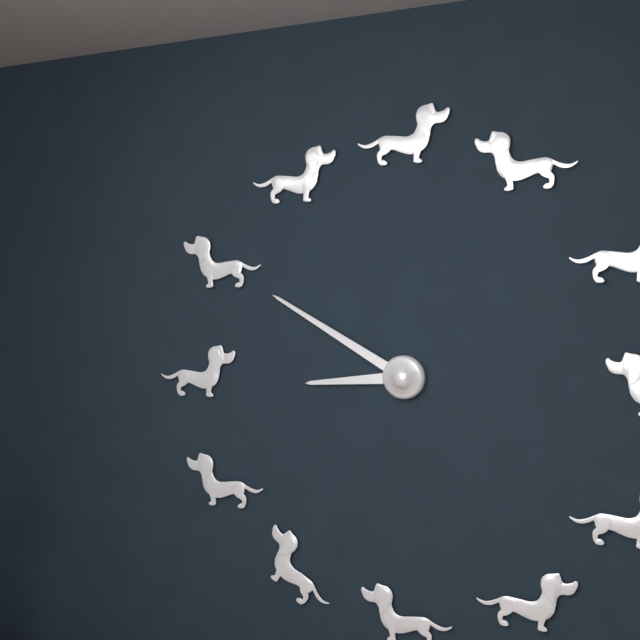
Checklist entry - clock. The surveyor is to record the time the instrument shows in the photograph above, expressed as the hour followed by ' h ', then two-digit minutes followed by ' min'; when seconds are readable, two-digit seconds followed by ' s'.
8 h 50 min
